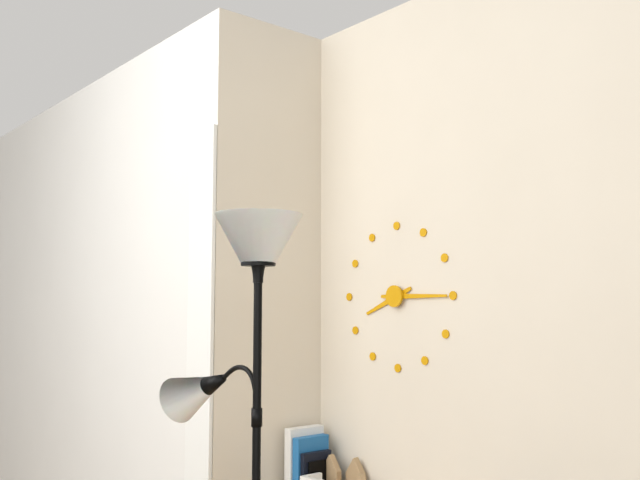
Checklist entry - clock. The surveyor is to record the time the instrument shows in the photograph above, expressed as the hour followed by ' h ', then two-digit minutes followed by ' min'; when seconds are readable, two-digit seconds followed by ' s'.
8 h 15 min
